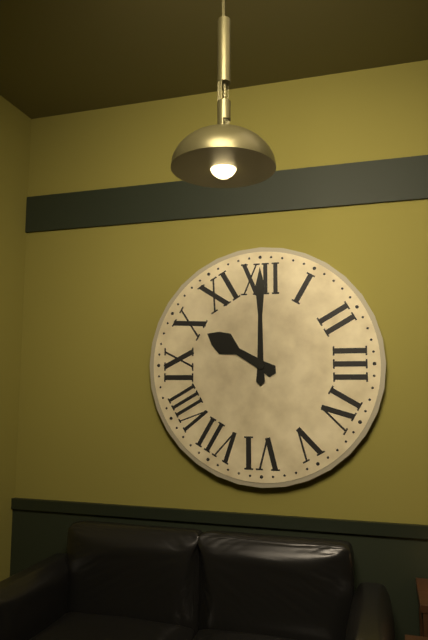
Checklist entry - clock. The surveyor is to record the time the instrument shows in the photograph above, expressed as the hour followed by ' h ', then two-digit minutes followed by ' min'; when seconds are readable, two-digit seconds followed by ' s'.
10 h 00 min
